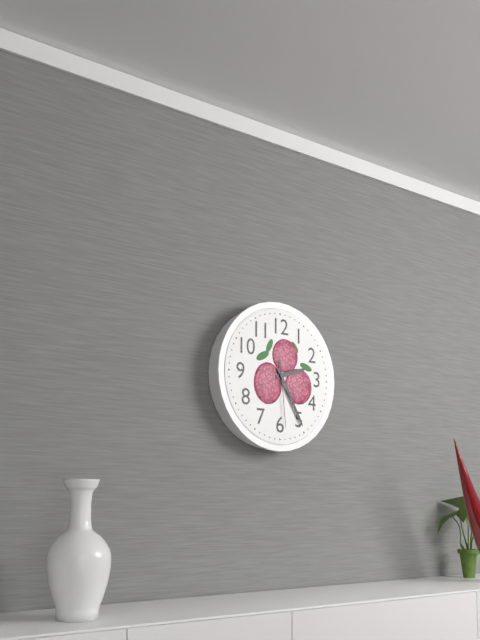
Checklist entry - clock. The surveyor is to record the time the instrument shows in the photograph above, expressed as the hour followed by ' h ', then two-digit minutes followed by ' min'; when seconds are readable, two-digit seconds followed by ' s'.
2 h 25 min 29 s
